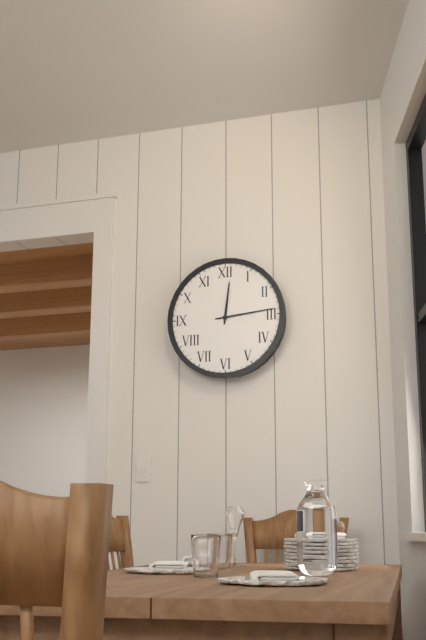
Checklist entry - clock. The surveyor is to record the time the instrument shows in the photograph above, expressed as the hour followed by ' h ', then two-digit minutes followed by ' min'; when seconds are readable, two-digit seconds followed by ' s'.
12 h 14 min
